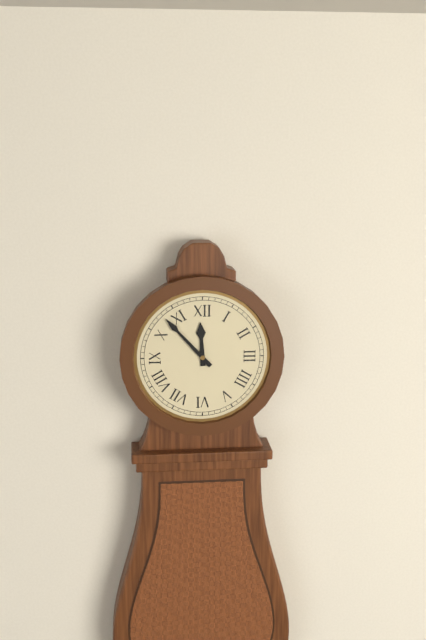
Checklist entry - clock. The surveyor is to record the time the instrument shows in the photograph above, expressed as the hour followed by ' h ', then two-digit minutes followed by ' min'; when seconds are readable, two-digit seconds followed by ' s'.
11 h 53 min
